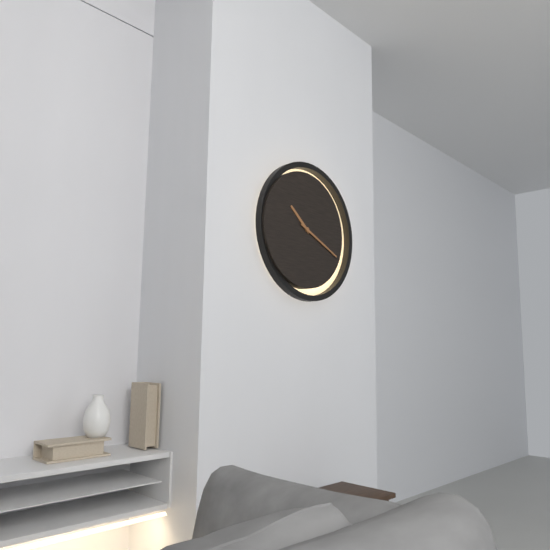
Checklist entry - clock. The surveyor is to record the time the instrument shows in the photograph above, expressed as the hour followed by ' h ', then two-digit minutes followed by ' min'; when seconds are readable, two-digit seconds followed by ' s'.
10 h 19 min
